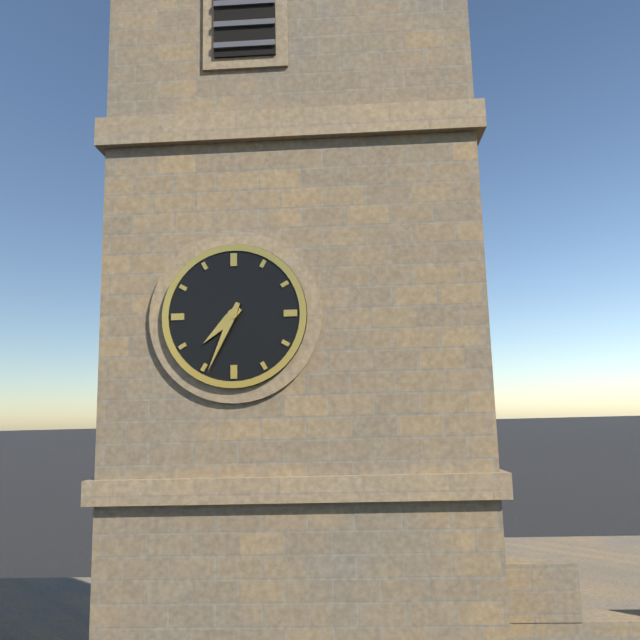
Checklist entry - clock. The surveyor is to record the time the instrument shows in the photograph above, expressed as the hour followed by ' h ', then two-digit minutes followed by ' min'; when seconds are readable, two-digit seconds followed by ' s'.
7 h 34 min
